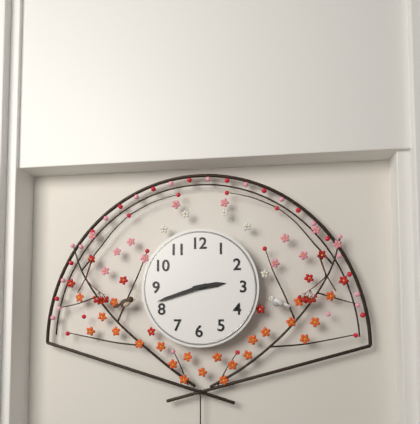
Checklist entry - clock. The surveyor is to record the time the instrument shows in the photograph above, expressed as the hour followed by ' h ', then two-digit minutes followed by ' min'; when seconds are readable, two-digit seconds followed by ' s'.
2 h 42 min
